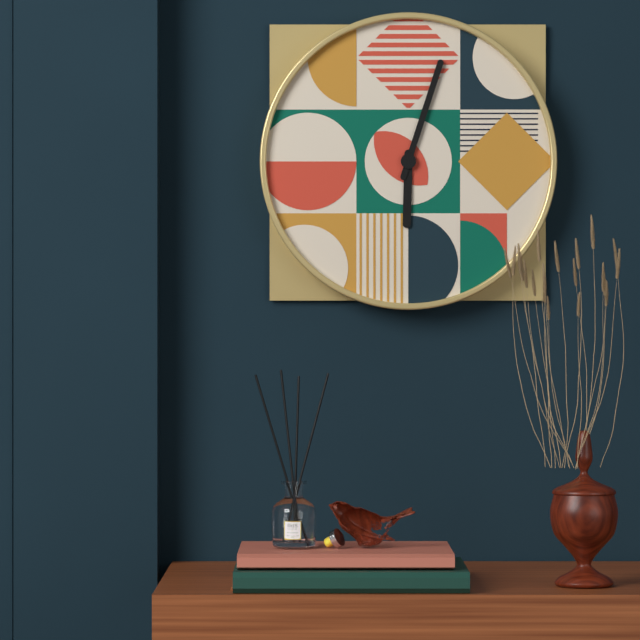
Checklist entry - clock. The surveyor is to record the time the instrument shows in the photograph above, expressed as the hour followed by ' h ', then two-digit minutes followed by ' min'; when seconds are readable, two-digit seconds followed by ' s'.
6 h 03 min
